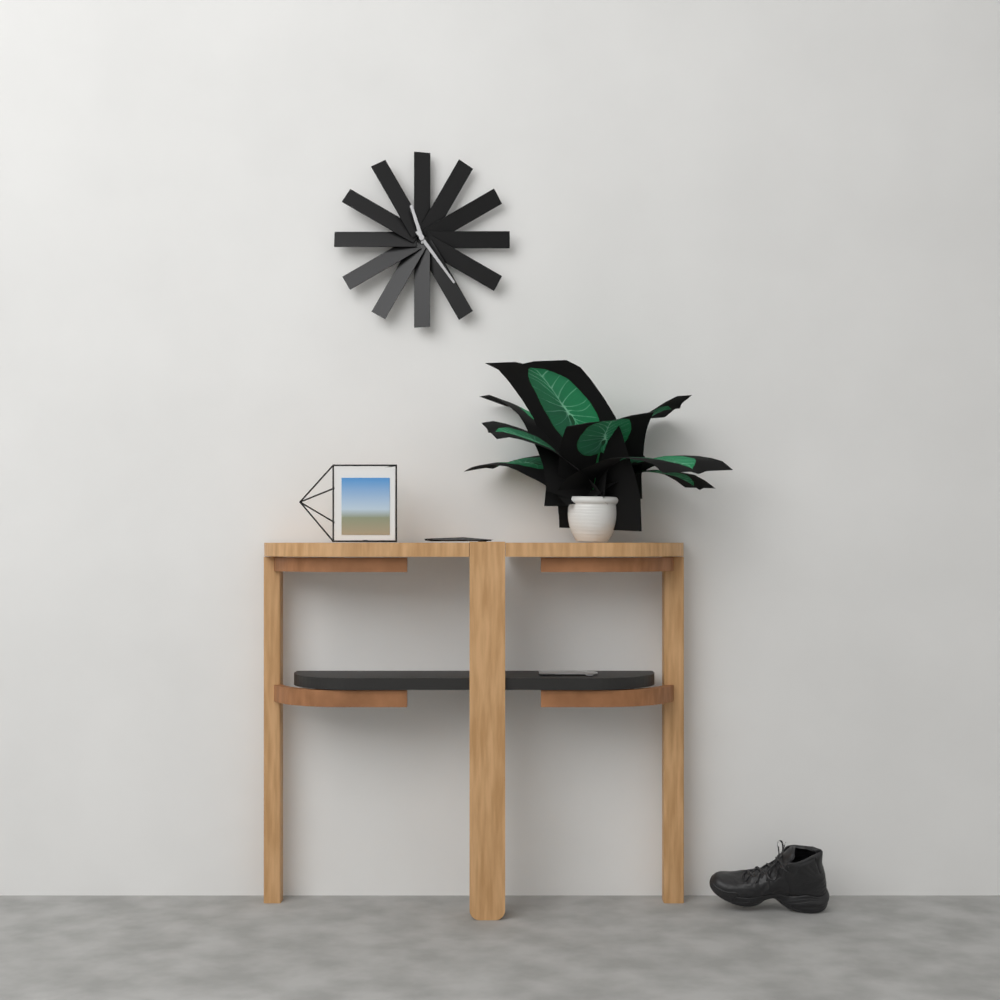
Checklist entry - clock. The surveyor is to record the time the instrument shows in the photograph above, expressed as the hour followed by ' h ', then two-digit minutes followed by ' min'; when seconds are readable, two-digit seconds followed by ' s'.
11 h 24 min
